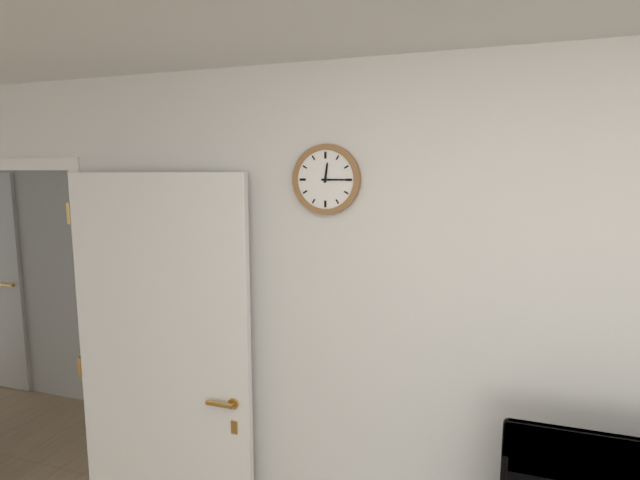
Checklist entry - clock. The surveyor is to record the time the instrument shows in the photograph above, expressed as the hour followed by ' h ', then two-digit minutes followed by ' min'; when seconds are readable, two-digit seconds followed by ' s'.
12 h 15 min
